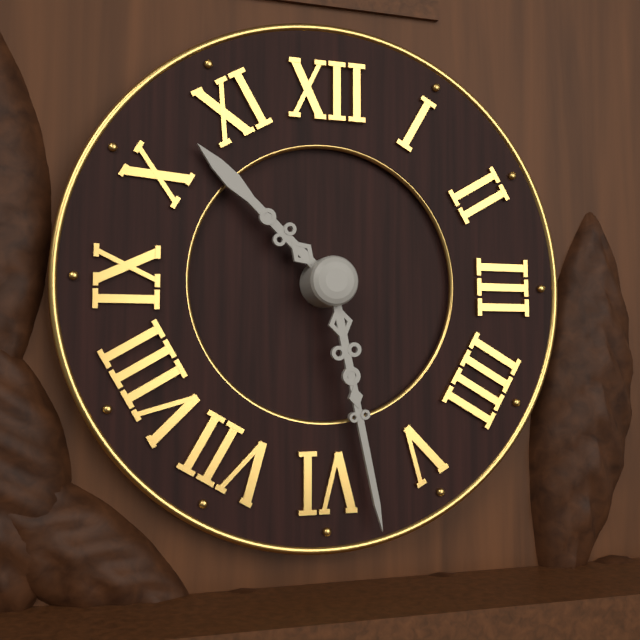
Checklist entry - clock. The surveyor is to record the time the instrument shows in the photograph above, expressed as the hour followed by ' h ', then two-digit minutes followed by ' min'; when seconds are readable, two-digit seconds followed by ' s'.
10 h 28 min
